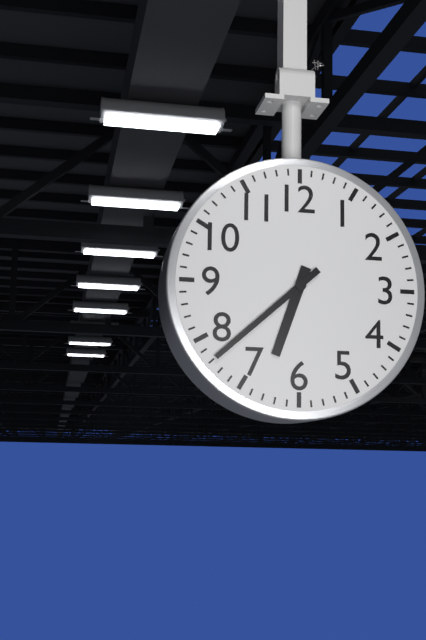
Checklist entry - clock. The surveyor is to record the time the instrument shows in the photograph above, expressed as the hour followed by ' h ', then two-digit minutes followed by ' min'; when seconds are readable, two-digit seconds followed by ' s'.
6 h 38 min
